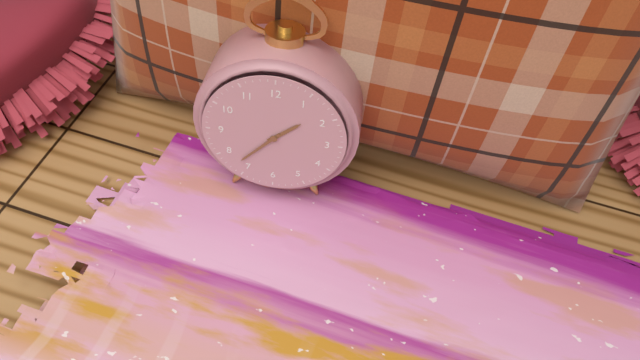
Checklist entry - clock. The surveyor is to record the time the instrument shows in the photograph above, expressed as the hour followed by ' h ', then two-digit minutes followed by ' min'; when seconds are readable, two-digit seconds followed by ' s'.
1 h 37 min
